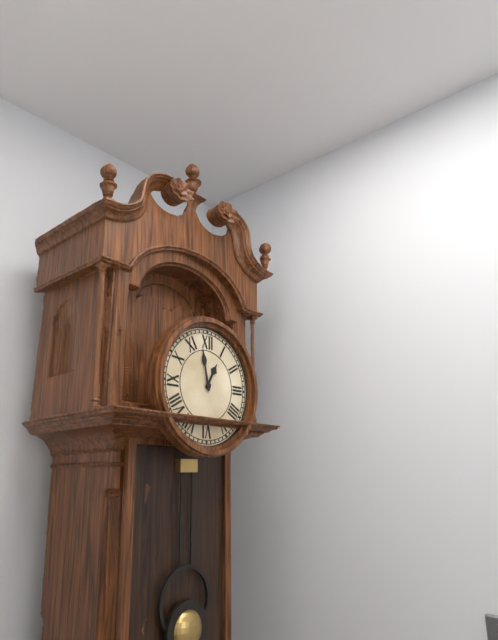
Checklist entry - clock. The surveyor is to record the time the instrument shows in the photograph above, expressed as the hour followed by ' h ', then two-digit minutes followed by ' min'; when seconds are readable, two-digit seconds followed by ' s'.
12 h 58 min
